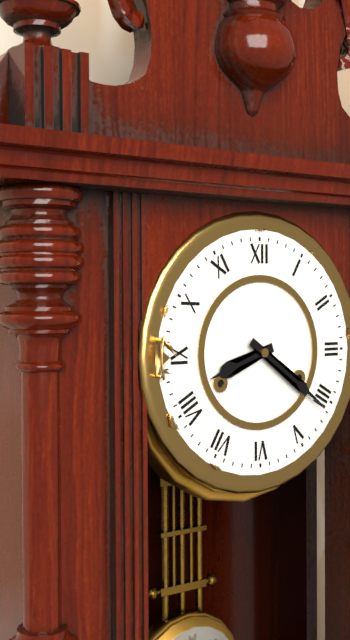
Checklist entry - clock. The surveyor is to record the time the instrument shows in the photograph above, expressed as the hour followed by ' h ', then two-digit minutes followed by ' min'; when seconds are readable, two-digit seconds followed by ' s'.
8 h 21 min
